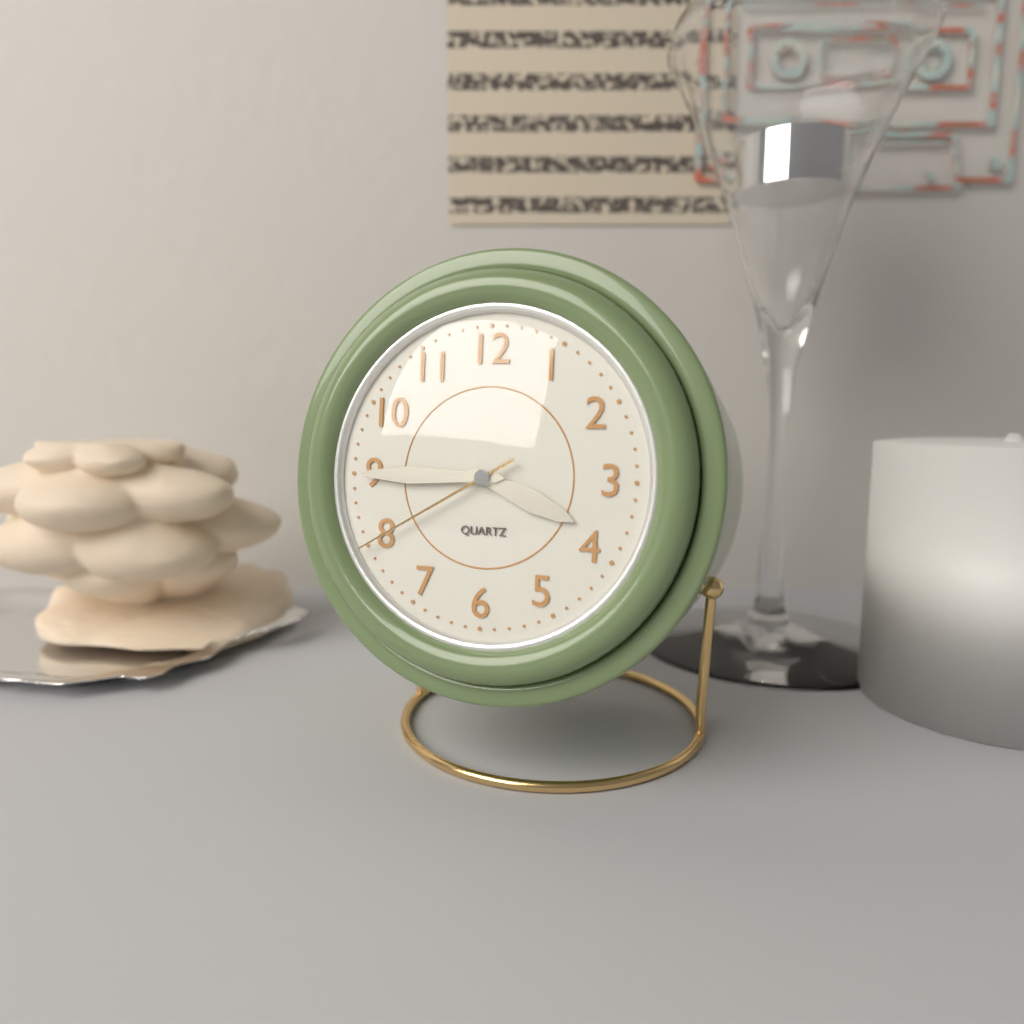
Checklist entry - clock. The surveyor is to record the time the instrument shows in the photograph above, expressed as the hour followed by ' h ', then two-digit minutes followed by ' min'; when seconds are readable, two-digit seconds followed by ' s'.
3 h 45 min 40 s
